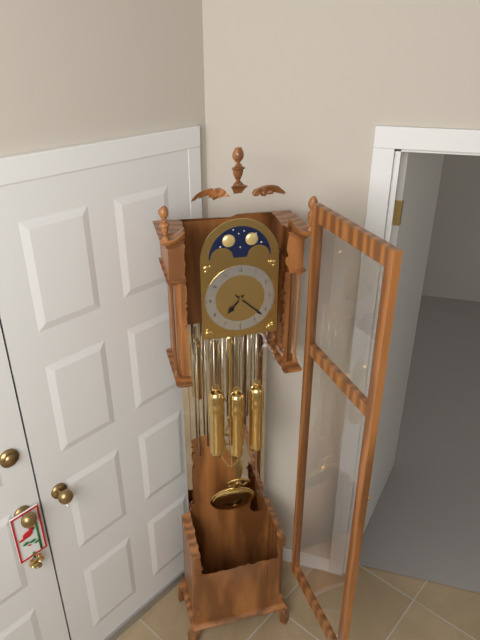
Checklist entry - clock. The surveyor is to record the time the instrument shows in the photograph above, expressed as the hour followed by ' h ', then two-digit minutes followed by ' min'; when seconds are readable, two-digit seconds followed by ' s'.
7 h 22 min
